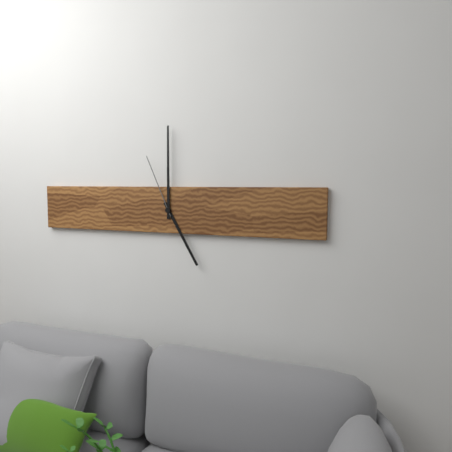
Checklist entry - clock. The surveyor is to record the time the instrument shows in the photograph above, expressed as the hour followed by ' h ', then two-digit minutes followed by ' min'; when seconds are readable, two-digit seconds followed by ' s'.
5 h 00 min 56 s
